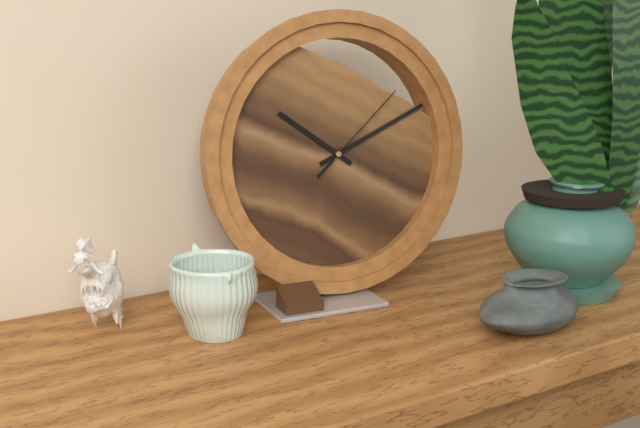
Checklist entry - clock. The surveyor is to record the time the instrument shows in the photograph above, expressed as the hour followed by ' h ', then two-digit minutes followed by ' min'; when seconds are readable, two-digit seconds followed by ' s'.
10 h 11 min 08 s
